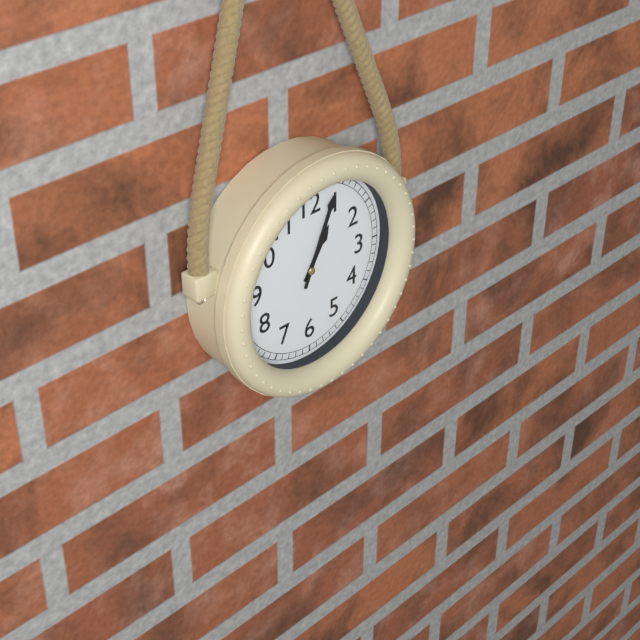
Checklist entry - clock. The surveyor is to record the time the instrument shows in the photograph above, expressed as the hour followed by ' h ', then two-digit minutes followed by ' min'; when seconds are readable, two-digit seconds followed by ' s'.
1 h 04 min
